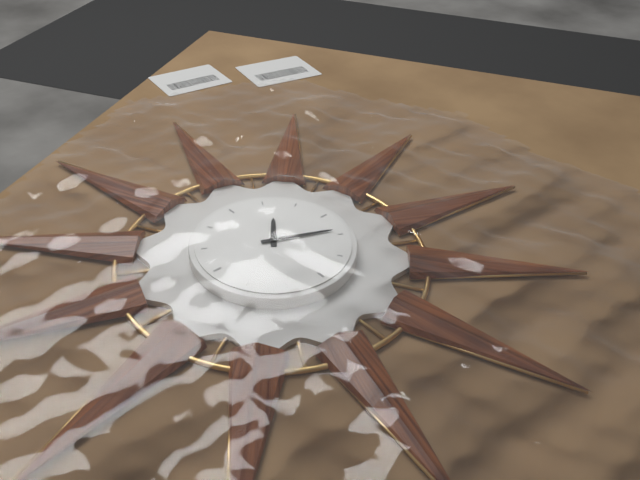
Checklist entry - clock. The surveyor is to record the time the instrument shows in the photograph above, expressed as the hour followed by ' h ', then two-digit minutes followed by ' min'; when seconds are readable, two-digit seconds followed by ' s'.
1 h 19 min
